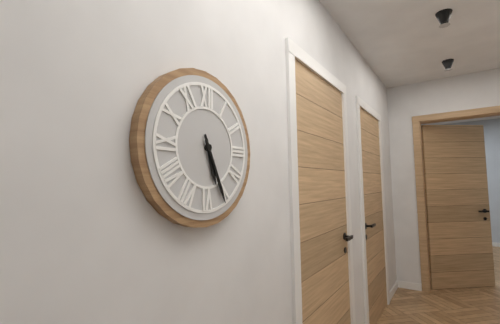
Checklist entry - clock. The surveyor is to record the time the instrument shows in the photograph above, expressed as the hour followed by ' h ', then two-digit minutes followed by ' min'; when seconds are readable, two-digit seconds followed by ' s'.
5 h 26 min
